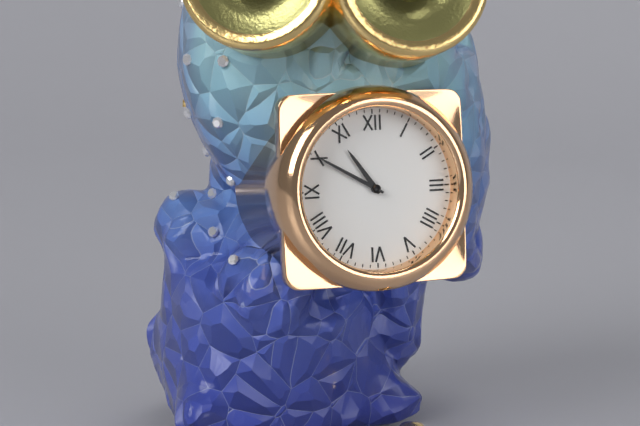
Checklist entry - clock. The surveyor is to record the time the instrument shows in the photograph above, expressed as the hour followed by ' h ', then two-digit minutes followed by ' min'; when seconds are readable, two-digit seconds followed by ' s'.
10 h 50 min
